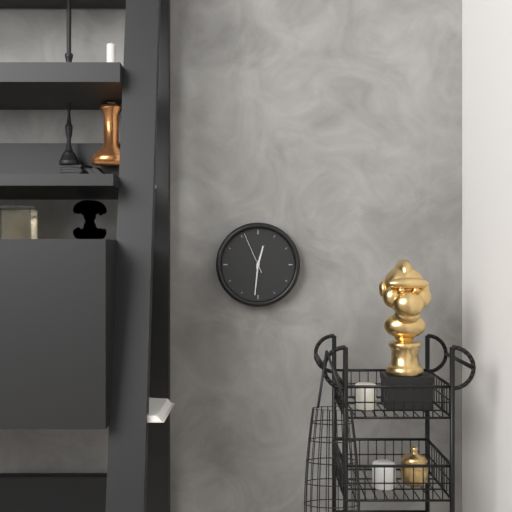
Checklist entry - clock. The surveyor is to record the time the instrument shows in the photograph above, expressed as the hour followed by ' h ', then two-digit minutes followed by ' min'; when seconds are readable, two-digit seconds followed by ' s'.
12 h 31 min
